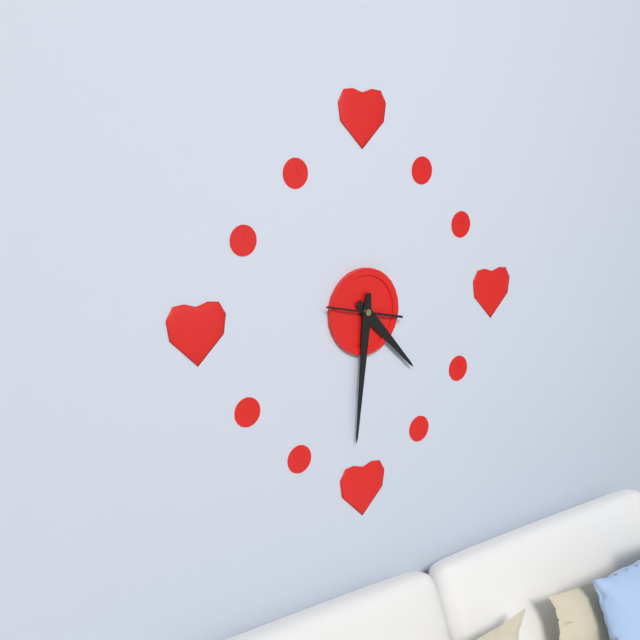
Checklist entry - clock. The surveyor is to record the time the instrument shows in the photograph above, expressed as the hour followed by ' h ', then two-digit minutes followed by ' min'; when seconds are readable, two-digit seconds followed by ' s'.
4 h 31 min 47 s
